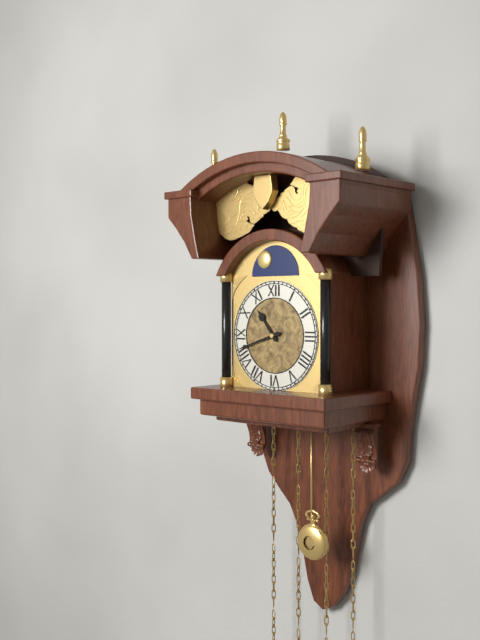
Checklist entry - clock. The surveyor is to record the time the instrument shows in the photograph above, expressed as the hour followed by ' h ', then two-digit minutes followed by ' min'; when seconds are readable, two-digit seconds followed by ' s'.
10 h 42 min
